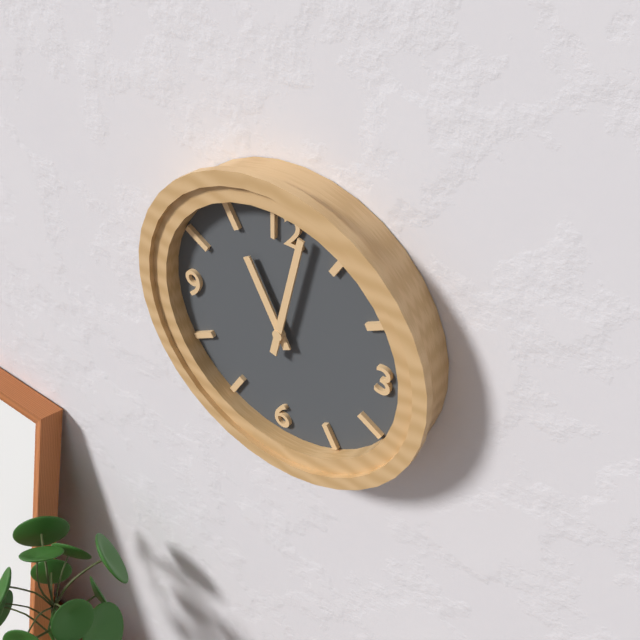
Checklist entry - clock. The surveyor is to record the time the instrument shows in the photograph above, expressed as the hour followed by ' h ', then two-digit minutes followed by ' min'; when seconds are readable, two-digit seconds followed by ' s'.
11 h 02 min
